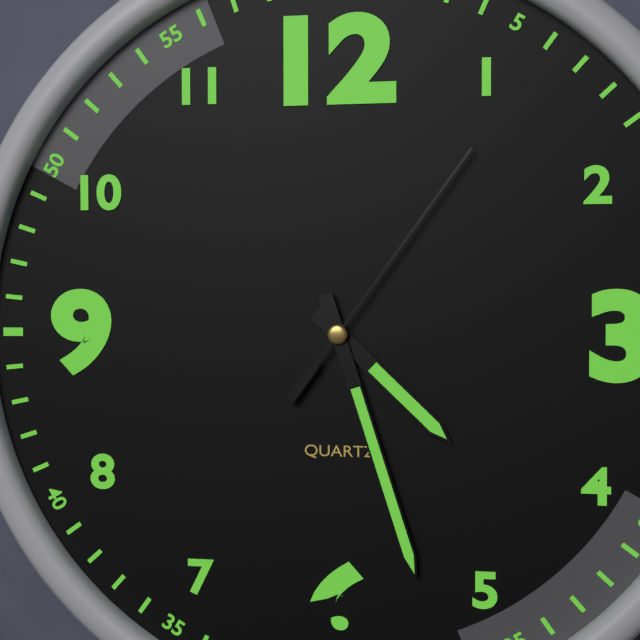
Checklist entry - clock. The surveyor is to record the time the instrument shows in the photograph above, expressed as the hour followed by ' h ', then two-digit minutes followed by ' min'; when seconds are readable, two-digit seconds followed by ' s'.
4 h 27 min 06 s
